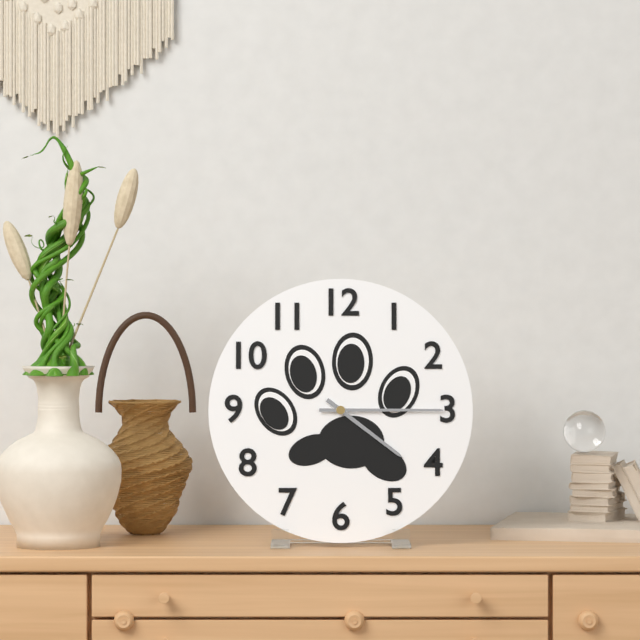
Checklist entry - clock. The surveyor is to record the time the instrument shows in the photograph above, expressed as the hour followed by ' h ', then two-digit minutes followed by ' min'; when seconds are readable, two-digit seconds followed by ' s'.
4 h 15 min
